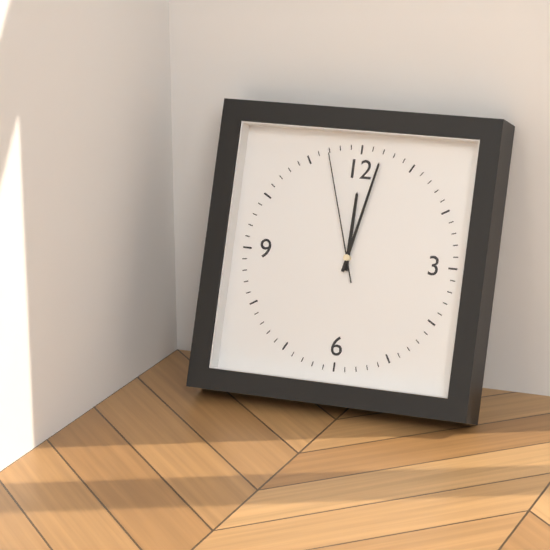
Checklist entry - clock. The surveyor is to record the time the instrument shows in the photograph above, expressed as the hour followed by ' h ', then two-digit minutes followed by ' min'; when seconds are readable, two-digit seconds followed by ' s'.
12 h 02 min 57 s
